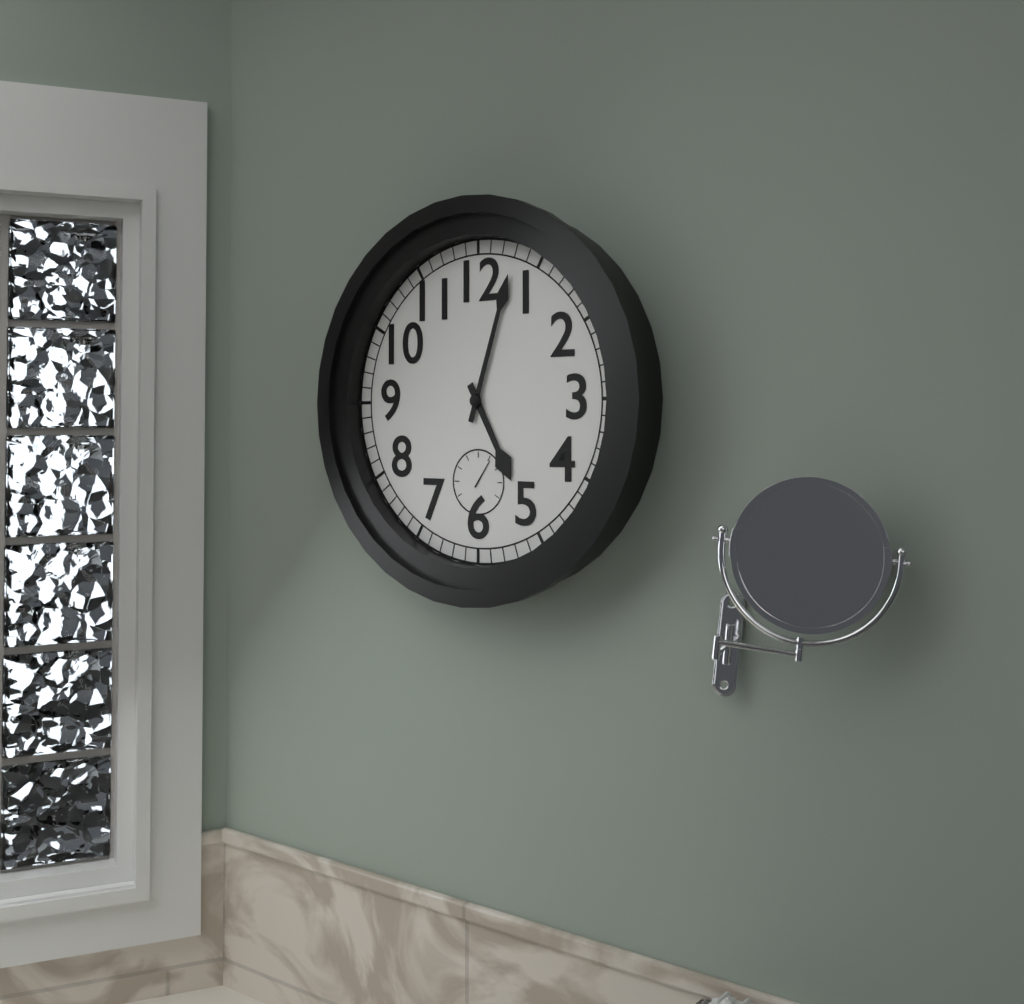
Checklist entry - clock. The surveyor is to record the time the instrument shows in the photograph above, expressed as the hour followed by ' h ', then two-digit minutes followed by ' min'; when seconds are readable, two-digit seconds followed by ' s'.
5 h 03 min
